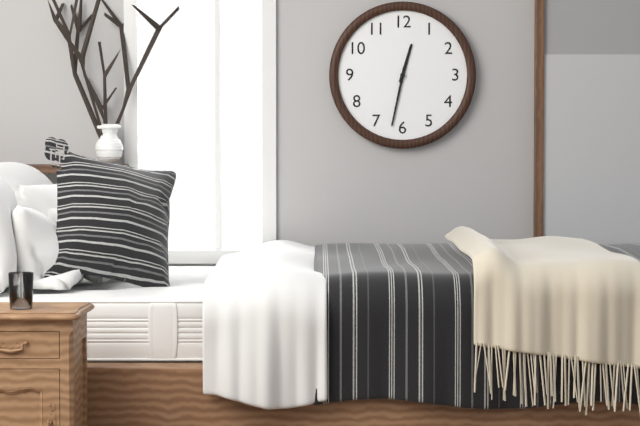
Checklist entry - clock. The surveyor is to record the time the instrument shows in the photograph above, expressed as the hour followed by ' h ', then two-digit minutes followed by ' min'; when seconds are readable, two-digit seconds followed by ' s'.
12 h 32 min
